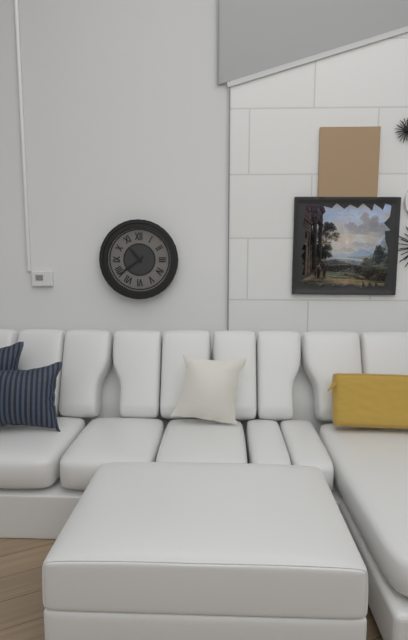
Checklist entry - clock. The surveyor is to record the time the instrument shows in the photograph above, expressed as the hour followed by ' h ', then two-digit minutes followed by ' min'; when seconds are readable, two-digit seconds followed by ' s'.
10 h 39 min
